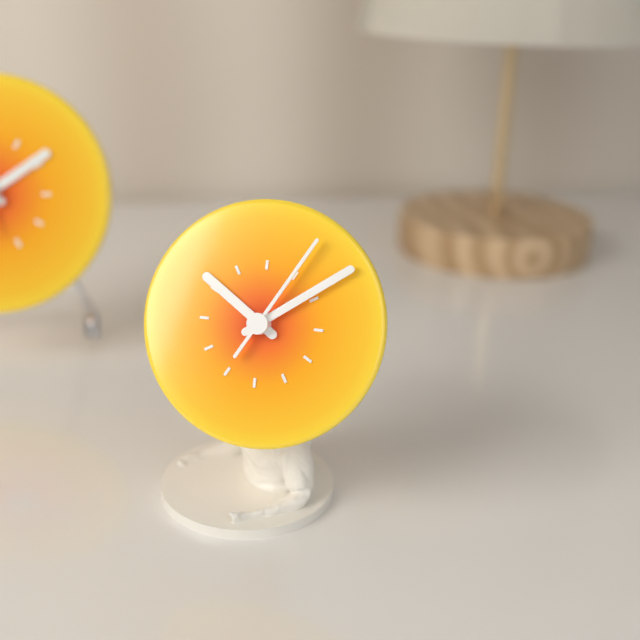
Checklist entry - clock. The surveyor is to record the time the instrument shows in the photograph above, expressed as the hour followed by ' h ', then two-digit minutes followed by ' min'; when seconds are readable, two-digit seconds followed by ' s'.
10 h 09 min 05 s
